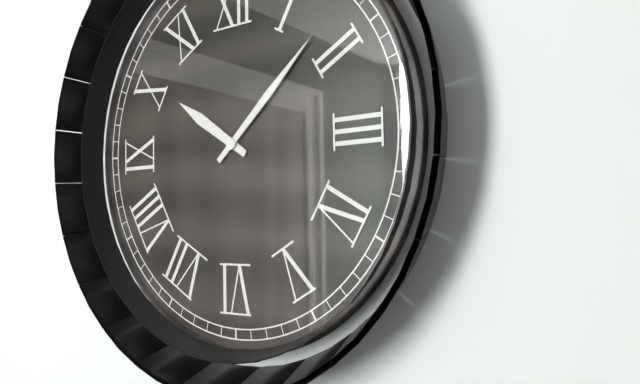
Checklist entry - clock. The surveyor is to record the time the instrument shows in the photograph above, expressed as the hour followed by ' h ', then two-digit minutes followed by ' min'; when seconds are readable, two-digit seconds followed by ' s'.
10 h 08 min
